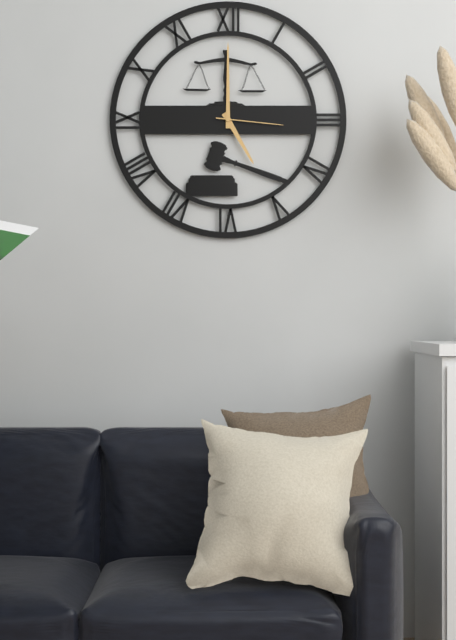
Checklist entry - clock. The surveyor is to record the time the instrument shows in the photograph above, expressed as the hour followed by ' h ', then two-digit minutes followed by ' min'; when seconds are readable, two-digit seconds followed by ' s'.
5 h 00 min 16 s
